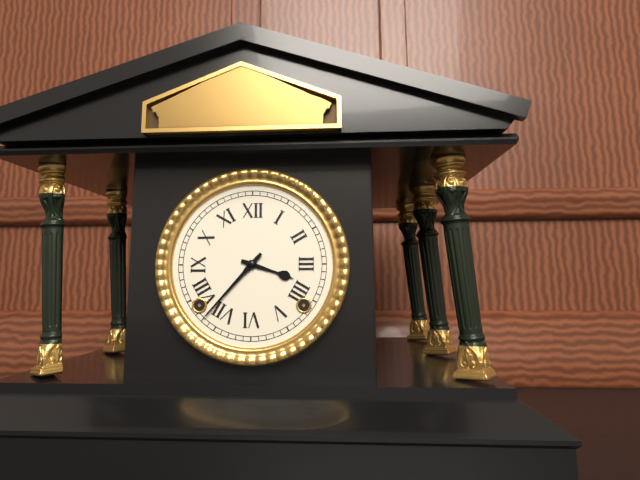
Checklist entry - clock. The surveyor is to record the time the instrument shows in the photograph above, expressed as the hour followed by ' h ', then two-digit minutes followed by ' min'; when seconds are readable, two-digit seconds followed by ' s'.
3 h 37 min
